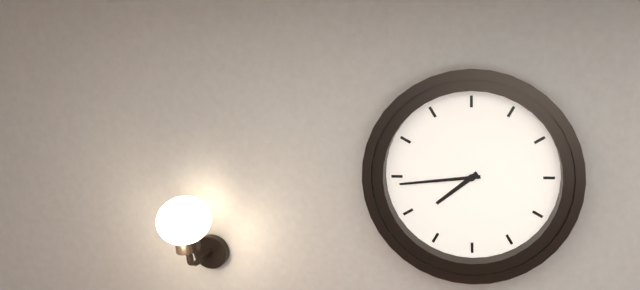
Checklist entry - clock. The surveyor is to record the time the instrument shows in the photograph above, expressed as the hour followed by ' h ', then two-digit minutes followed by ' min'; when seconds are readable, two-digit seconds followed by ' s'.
7 h 44 min
